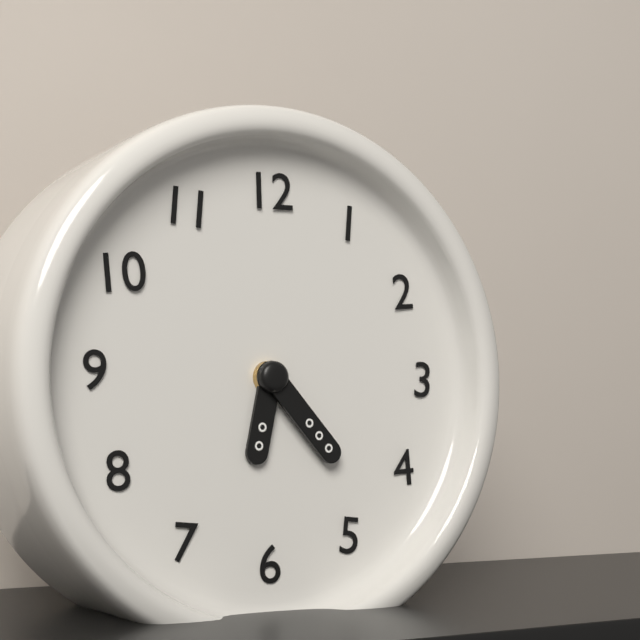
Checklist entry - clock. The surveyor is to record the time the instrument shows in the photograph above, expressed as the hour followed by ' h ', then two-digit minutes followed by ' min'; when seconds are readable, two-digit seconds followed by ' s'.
6 h 23 min
